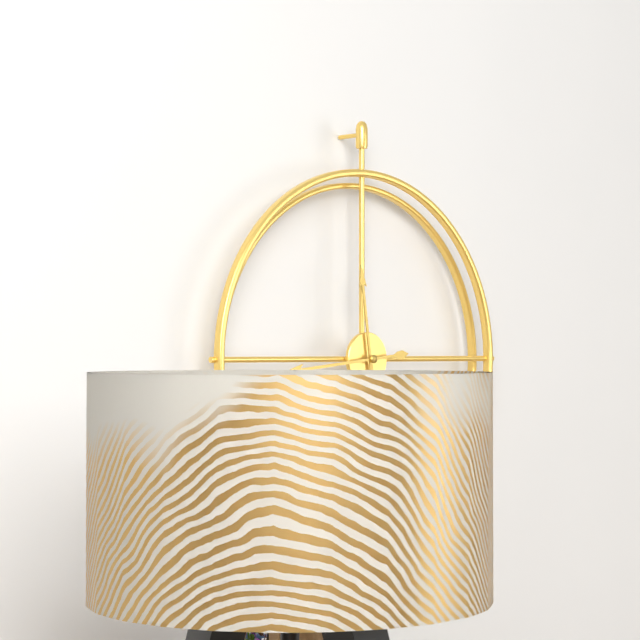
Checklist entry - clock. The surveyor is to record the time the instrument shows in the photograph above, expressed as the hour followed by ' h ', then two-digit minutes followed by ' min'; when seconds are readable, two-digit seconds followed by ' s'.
11 h 44 min
